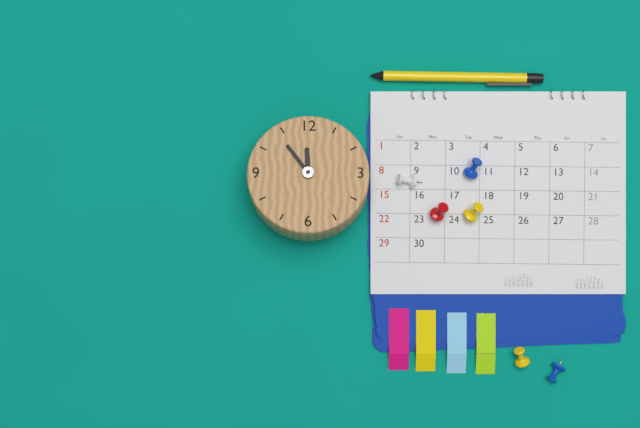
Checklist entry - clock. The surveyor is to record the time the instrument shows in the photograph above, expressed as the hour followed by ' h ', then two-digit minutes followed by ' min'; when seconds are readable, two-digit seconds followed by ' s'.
11 h 54 min
